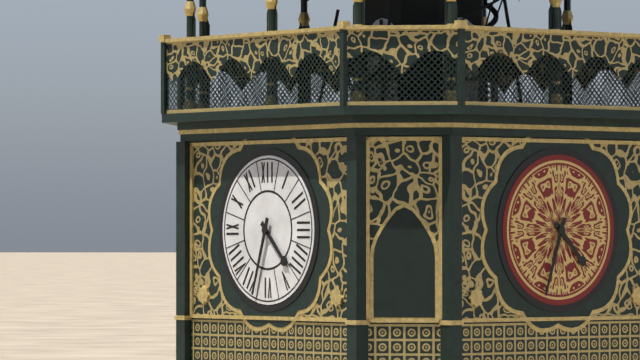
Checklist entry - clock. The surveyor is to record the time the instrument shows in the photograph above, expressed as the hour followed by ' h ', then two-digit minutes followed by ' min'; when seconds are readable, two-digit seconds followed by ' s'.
4 h 33 min
